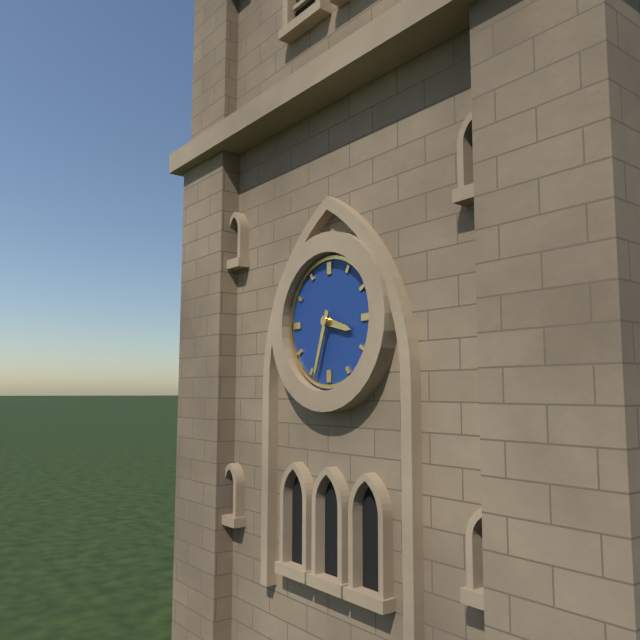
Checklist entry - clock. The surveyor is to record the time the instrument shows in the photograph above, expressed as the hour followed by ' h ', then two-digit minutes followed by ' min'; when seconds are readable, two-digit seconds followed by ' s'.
3 h 33 min
